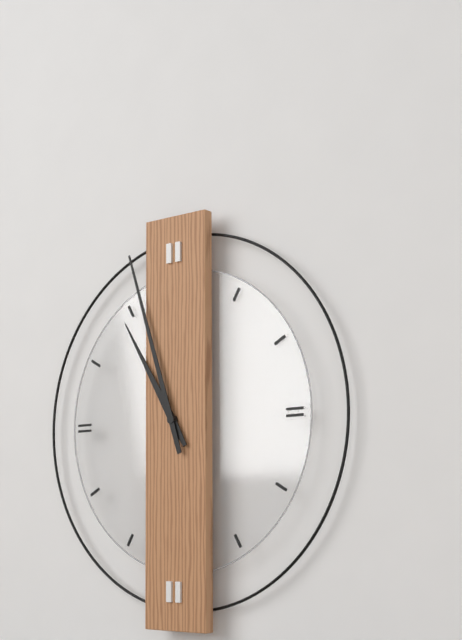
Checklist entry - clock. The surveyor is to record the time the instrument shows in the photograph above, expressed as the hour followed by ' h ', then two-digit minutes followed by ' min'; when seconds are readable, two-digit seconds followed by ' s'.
10 h 57 min
